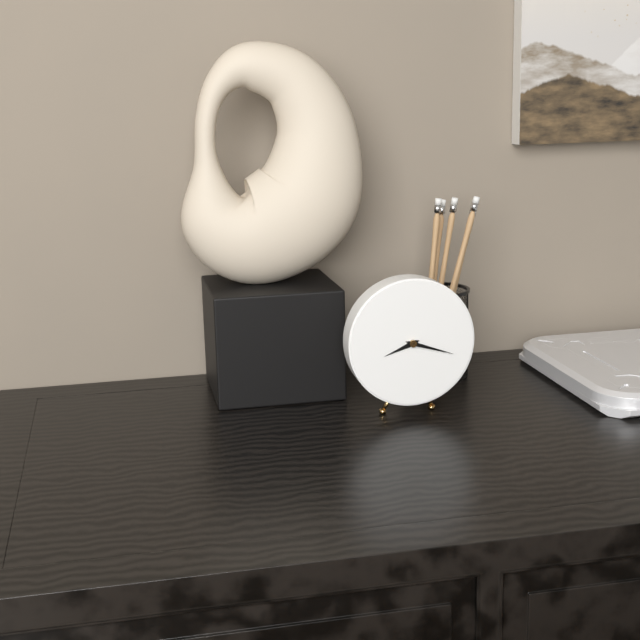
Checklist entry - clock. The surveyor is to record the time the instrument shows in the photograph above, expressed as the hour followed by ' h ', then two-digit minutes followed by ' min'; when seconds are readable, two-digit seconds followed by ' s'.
8 h 18 min
